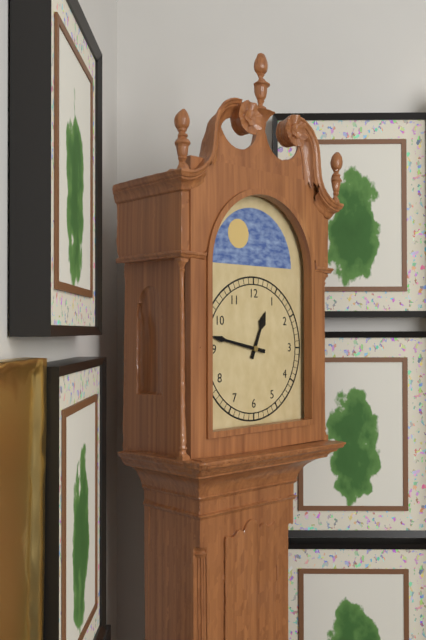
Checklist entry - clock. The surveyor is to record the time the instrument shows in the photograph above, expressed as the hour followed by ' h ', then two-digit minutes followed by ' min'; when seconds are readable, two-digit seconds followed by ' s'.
12 h 47 min
